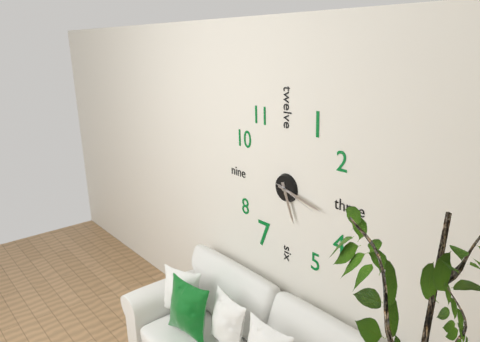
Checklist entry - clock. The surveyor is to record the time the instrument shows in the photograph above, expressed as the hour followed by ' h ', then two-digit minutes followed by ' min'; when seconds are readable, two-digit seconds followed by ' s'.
5 h 17 min
